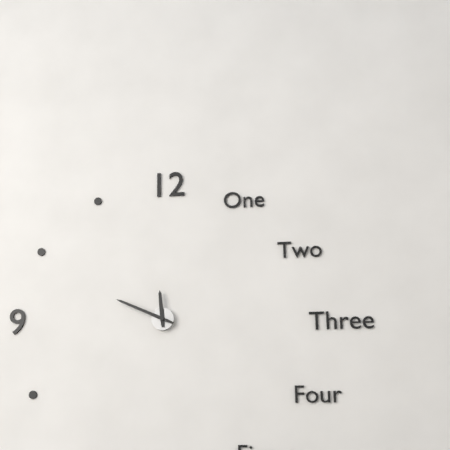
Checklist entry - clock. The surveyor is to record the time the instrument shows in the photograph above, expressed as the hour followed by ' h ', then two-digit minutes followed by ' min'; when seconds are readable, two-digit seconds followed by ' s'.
11 h 49 min
